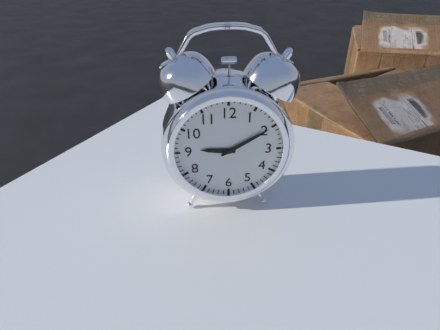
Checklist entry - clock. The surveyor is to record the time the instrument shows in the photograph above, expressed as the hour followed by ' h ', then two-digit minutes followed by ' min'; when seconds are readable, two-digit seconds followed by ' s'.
9 h 10 min
